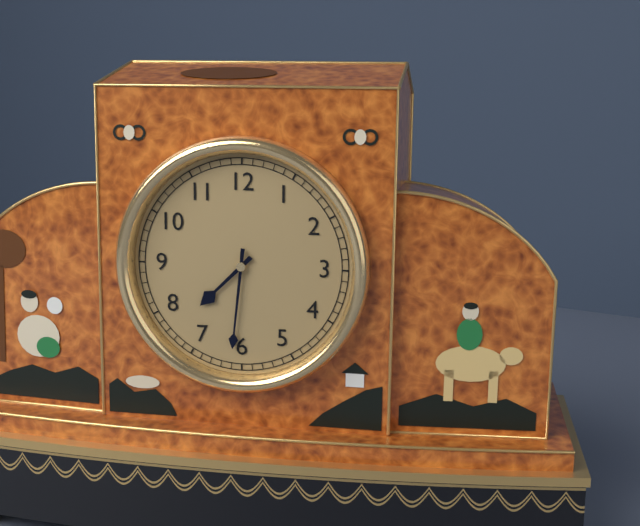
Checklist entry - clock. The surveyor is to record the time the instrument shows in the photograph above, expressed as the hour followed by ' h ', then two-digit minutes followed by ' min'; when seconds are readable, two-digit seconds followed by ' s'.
7 h 31 min
